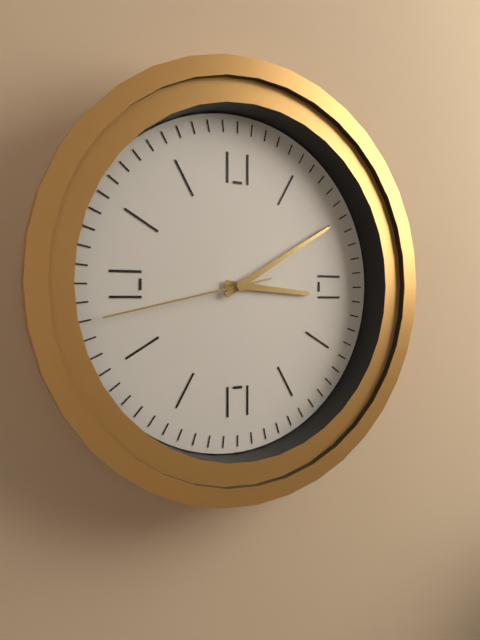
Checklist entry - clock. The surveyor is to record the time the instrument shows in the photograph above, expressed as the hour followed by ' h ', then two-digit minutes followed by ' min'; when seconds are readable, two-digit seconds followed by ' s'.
3 h 10 min 43 s
